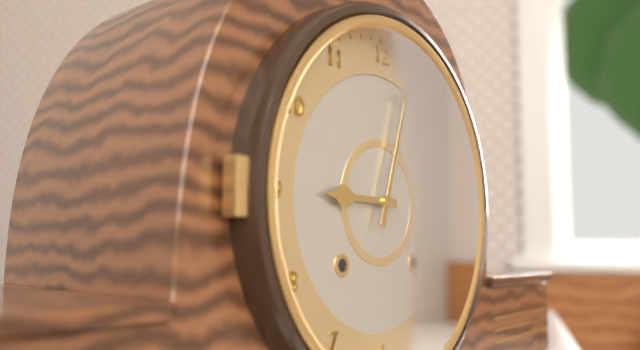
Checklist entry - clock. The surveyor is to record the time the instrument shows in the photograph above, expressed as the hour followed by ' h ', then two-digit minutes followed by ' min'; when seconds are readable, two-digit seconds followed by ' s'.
9 h 03 min
